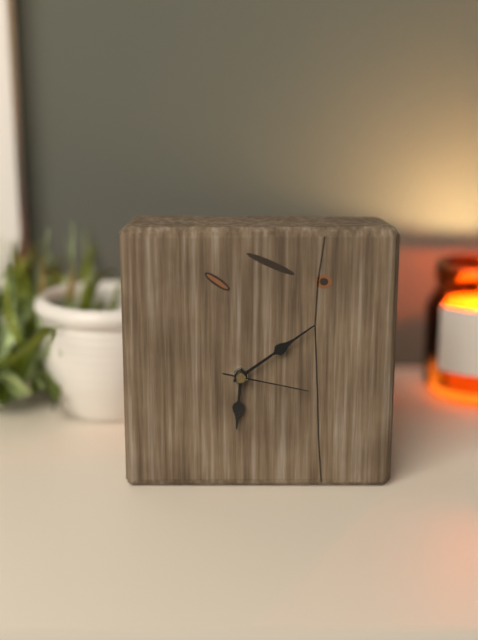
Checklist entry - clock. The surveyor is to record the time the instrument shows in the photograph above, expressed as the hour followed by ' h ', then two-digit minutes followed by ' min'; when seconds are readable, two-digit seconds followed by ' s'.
6 h 09 min 17 s
